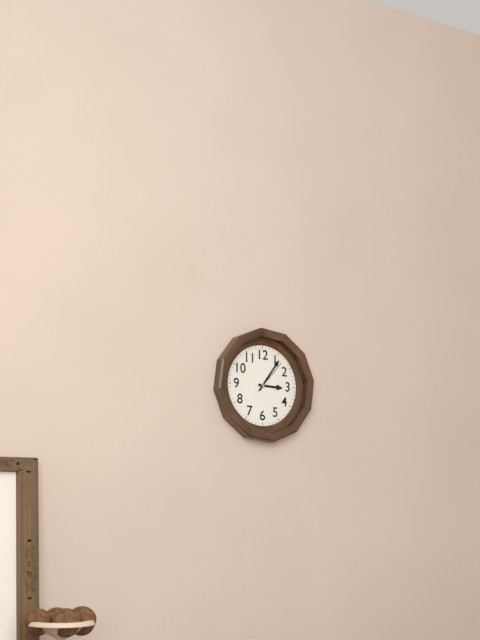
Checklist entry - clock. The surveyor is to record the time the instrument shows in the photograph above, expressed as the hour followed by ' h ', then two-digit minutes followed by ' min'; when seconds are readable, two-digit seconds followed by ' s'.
3 h 06 min
